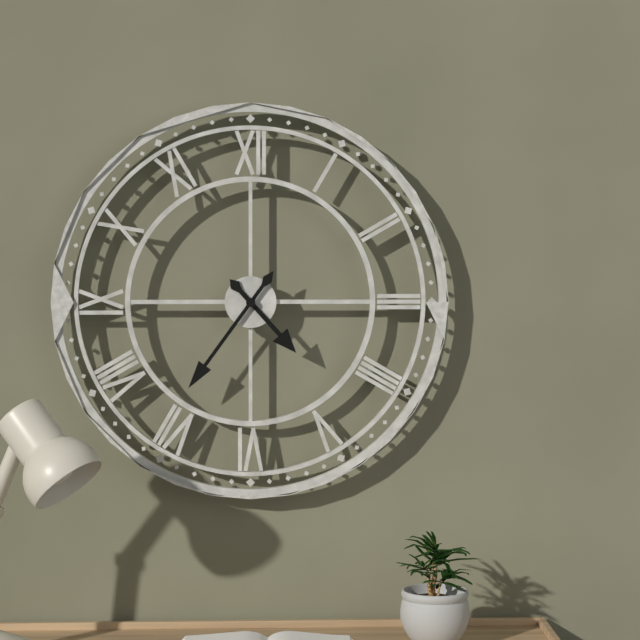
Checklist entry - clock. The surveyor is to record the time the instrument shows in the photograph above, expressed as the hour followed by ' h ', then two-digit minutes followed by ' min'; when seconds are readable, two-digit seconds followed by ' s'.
4 h 36 min
